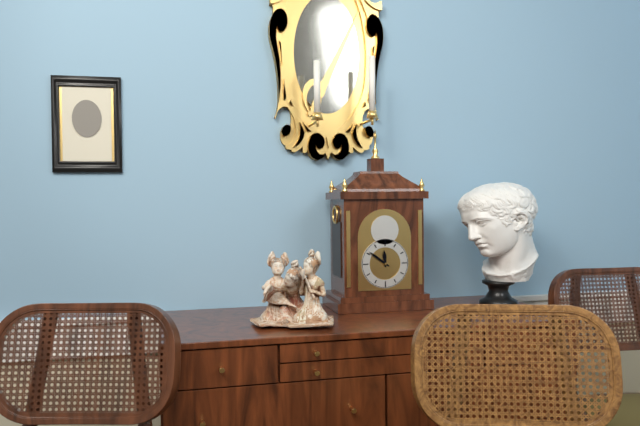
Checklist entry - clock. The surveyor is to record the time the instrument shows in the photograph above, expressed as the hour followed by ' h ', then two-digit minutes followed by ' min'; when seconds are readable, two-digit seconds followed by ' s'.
11 h 51 min
